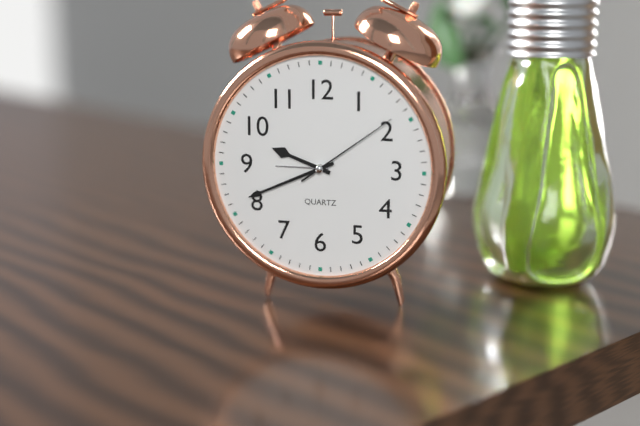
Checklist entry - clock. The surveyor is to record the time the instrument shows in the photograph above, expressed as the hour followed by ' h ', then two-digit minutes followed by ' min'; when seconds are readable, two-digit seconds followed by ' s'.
9 h 41 min 09 s
